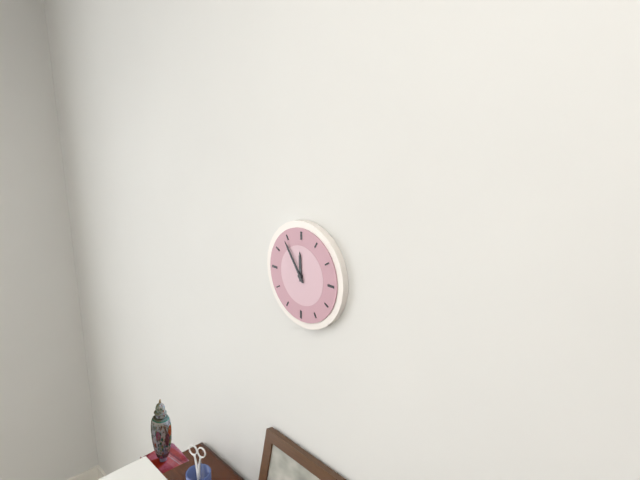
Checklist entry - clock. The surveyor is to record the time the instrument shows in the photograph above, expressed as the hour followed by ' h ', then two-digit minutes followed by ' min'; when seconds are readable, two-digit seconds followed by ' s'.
11 h 54 min
